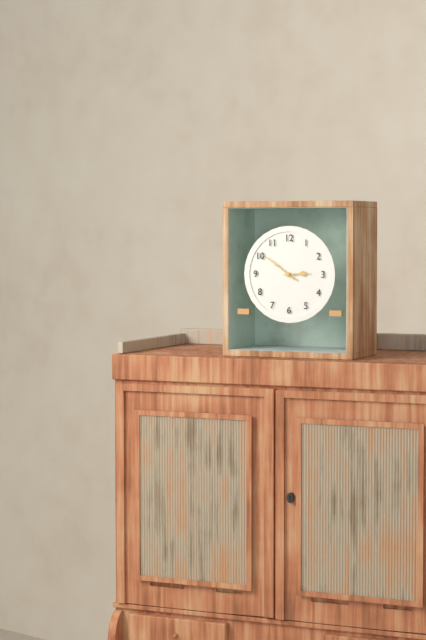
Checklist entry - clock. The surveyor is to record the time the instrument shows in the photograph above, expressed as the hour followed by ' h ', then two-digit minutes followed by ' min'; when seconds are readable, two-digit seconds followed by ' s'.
2 h 51 min
